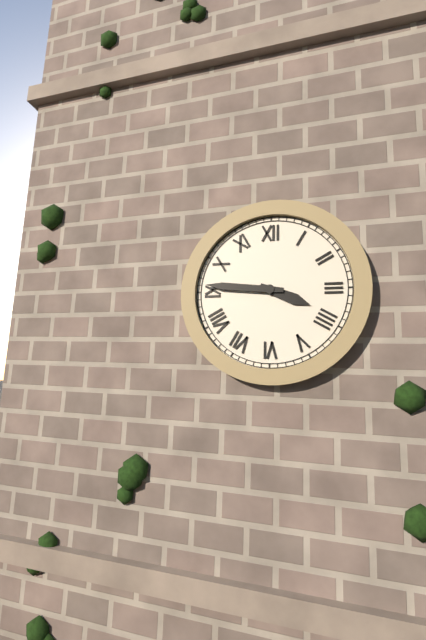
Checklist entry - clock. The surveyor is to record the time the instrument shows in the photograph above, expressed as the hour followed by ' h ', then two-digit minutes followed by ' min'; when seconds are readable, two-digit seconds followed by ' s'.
3 h 46 min
